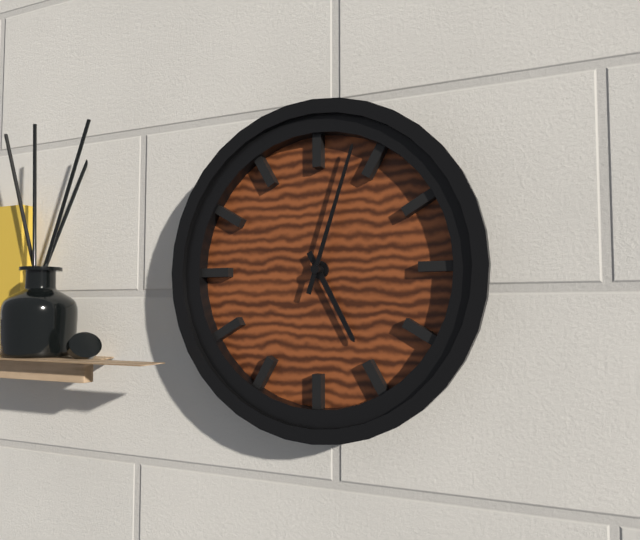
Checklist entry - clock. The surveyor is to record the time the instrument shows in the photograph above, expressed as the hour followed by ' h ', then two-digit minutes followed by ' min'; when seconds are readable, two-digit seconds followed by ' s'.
5 h 03 min
